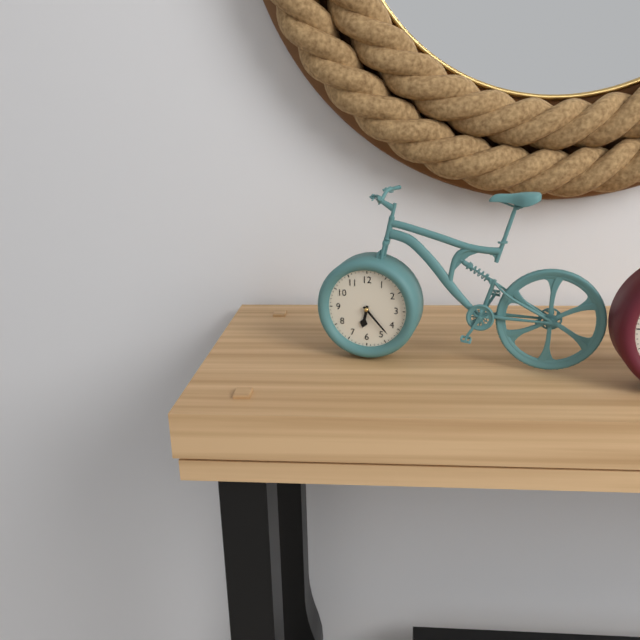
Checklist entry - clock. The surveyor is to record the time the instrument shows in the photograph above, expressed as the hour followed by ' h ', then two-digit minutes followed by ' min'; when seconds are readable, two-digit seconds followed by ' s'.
6 h 23 min
